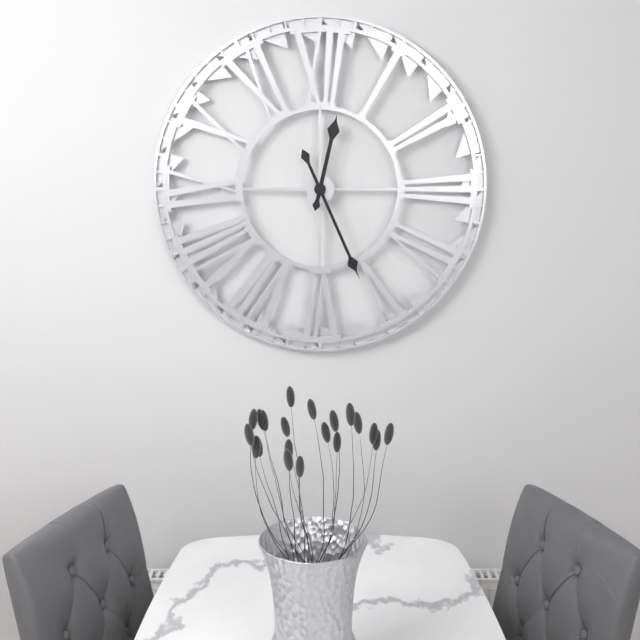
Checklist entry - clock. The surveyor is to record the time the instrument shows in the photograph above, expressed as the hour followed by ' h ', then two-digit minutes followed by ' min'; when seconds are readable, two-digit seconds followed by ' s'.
12 h 26 min
